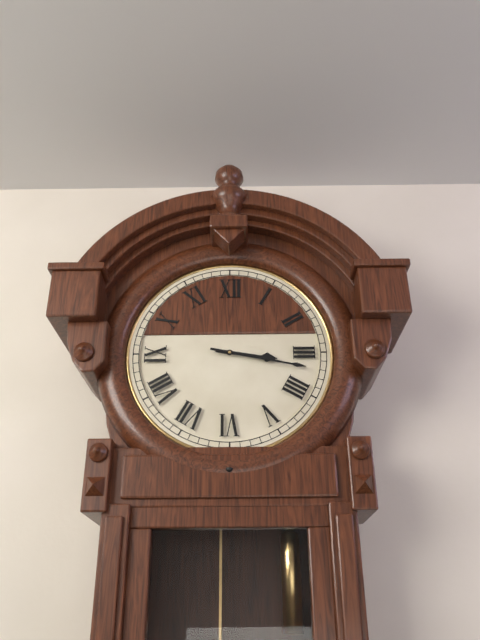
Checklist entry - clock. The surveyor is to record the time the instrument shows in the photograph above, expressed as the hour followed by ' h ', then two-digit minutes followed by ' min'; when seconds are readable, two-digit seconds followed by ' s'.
3 h 17 min
